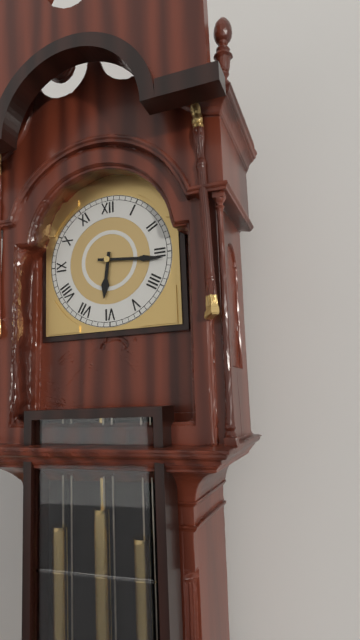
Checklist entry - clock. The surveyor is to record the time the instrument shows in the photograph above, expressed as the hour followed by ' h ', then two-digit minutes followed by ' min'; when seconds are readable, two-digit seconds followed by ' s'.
6 h 16 min
